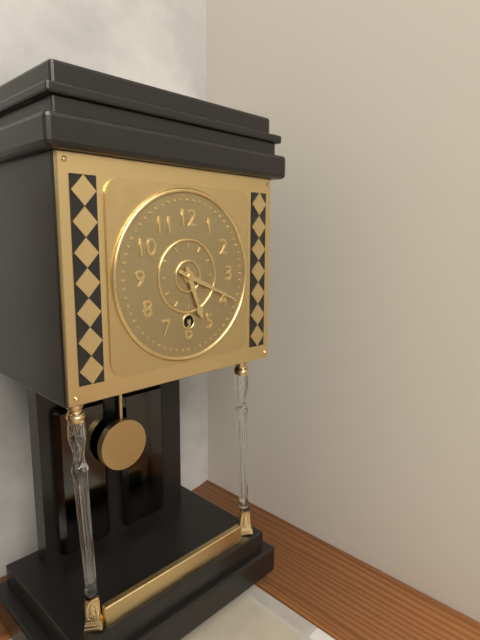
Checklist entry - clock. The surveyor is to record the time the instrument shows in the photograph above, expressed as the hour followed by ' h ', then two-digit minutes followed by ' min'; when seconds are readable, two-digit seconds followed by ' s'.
5 h 19 min
